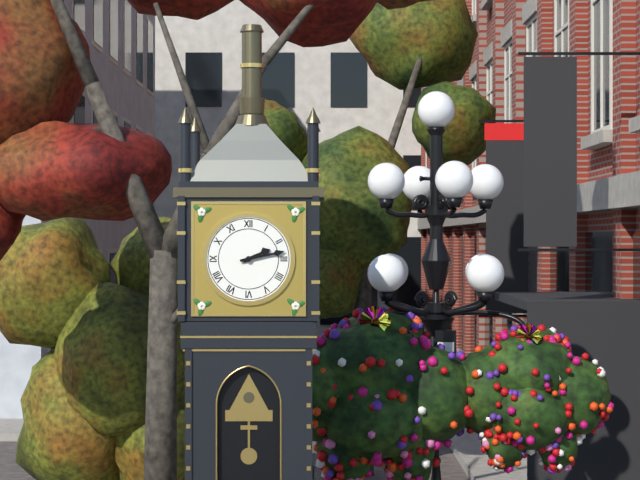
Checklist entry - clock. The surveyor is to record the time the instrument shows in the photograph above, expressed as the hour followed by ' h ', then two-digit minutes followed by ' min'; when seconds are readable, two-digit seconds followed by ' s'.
2 h 13 min
